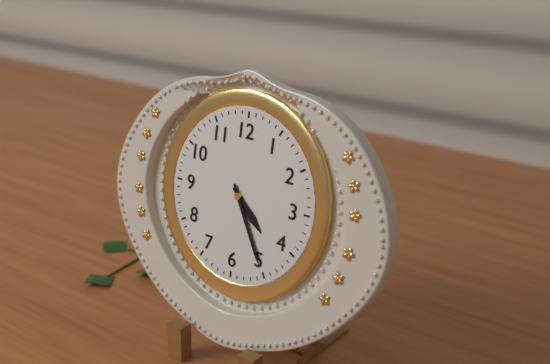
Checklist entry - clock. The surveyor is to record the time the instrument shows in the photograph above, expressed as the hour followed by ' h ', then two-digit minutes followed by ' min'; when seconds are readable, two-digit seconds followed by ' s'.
4 h 25 min
